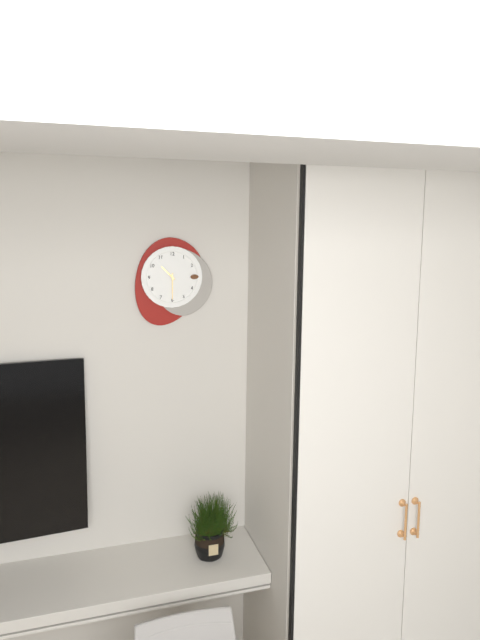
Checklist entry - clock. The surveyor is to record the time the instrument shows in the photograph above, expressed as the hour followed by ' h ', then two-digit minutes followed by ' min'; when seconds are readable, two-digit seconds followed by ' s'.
10 h 30 min
